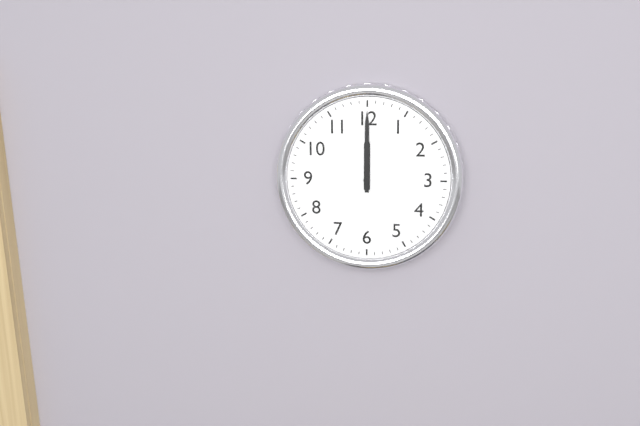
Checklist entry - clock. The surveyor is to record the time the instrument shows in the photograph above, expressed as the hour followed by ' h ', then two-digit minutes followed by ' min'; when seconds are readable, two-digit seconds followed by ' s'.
12 h 00 min
